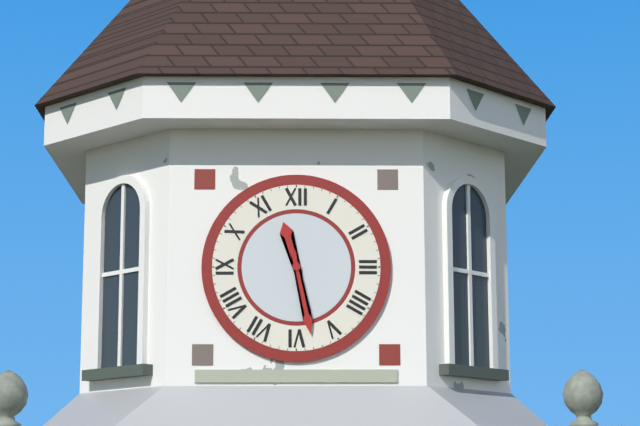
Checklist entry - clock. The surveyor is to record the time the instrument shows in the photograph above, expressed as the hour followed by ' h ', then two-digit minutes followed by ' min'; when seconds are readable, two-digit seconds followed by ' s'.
11 h 28 min
